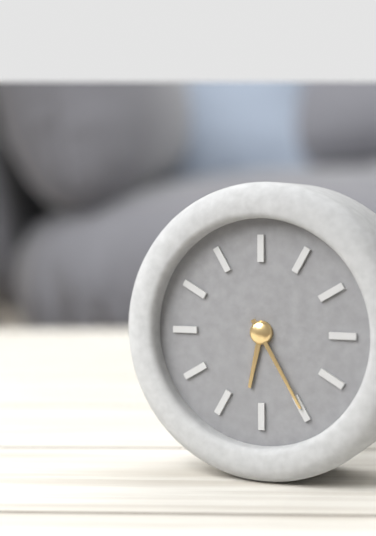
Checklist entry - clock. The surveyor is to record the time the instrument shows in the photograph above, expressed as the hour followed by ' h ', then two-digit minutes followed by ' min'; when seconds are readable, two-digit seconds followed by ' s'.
6 h 25 min
